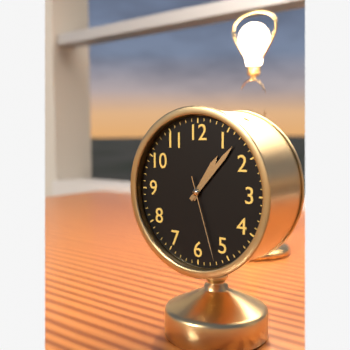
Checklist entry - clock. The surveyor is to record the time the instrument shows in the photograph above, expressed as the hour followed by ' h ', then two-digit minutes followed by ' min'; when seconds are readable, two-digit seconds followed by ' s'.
1 h 07 min 27 s
